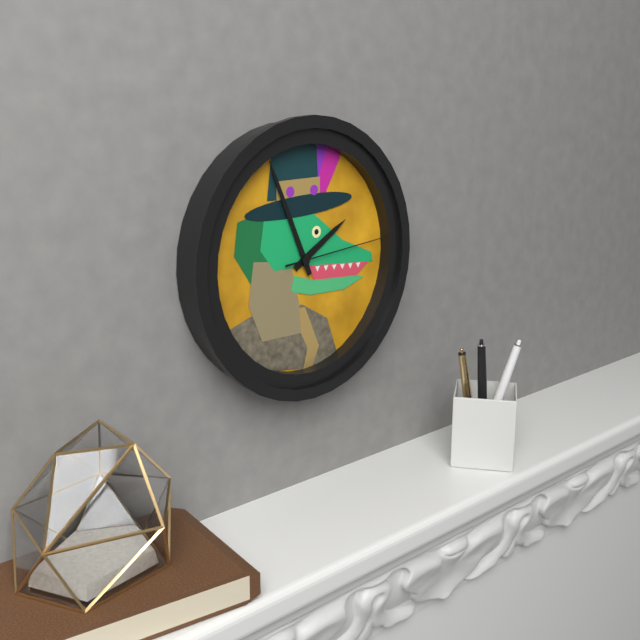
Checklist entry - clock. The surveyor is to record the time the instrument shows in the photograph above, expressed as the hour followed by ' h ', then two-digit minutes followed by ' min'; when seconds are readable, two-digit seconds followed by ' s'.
1 h 56 min 14 s
